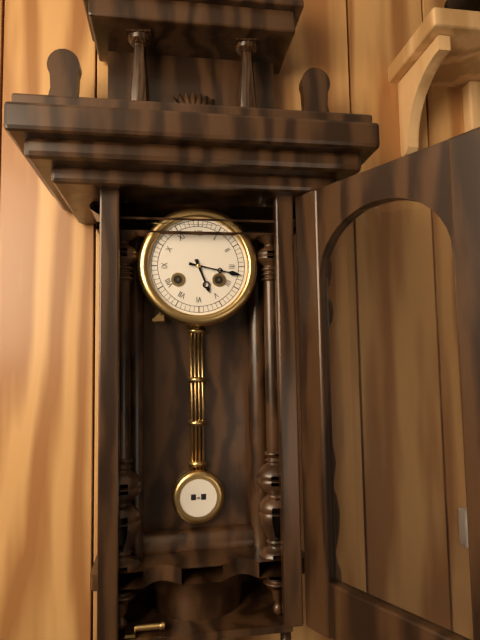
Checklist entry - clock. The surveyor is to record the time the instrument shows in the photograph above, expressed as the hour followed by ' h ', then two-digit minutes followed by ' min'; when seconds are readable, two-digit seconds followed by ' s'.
5 h 17 min
